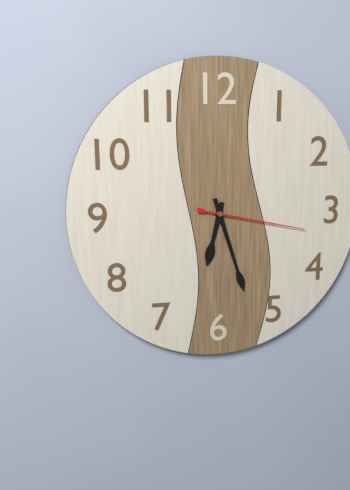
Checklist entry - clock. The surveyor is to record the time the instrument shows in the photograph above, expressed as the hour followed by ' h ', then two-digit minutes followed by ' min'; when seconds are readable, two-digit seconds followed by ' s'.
6 h 27 min 17 s
